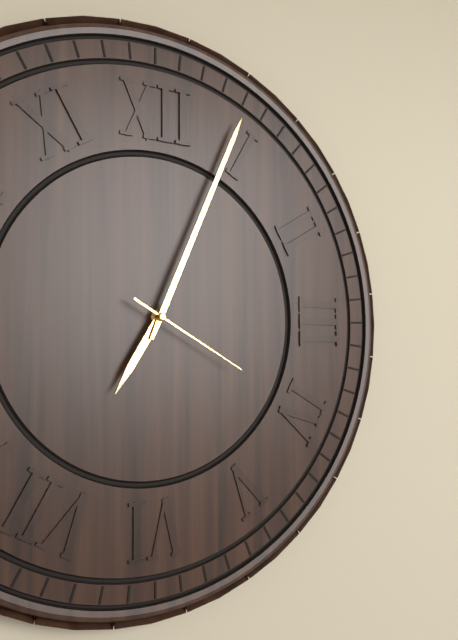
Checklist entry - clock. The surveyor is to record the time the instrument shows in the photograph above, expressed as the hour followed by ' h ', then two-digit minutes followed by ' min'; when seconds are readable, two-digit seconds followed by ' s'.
7 h 04 min 20 s
